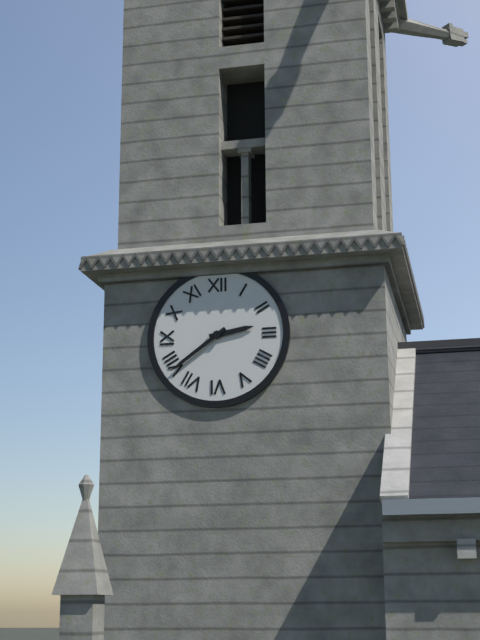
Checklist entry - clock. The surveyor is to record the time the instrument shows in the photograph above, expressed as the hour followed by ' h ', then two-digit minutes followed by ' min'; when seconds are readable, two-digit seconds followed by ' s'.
2 h 39 min
